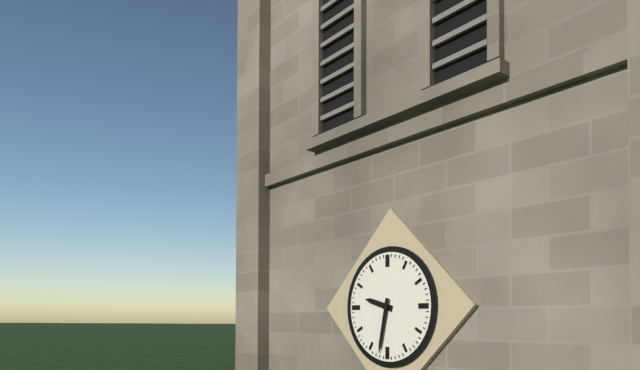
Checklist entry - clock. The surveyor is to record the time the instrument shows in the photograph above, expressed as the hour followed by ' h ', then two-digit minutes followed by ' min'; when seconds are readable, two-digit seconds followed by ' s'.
9 h 32 min
